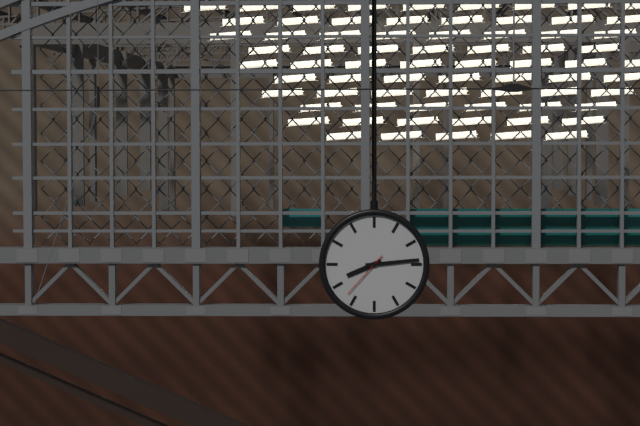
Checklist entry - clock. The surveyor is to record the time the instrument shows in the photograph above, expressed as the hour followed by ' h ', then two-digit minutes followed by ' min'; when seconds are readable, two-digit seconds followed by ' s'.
8 h 14 min
